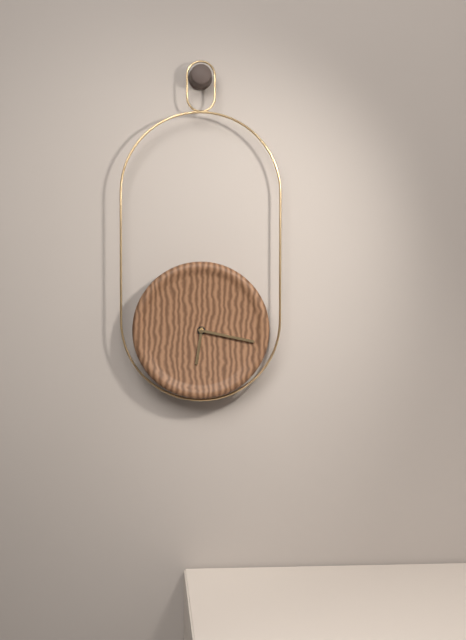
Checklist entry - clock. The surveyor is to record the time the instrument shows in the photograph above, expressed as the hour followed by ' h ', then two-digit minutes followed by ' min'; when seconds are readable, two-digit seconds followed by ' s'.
6 h 17 min
